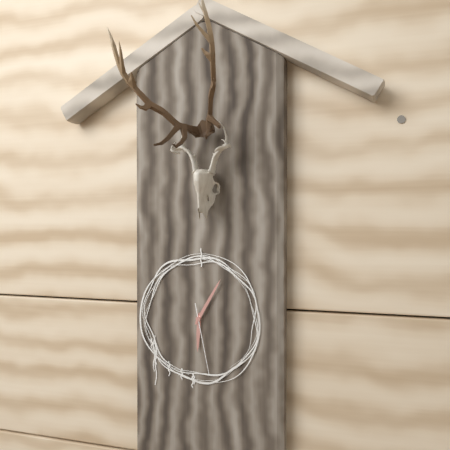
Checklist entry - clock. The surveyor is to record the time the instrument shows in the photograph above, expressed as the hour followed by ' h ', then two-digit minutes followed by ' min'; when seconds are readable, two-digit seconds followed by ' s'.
6 h 05 min 28 s
